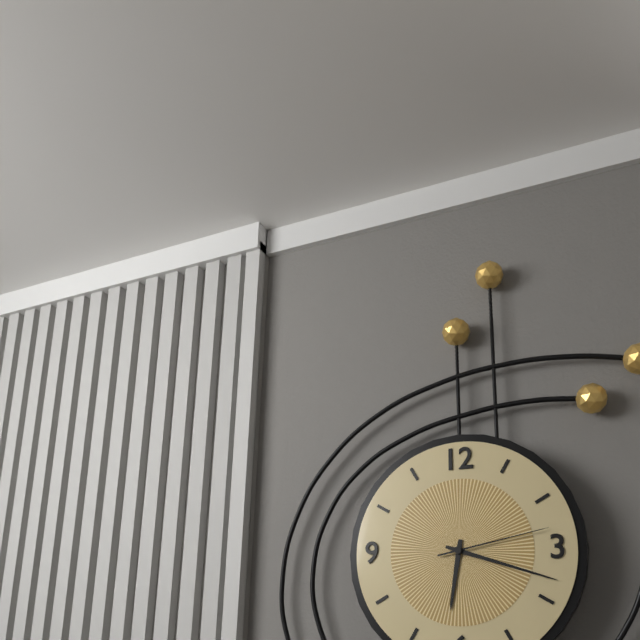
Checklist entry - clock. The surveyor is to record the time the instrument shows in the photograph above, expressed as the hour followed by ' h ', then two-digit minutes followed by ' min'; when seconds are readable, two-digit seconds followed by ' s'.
6 h 18 min 13 s
